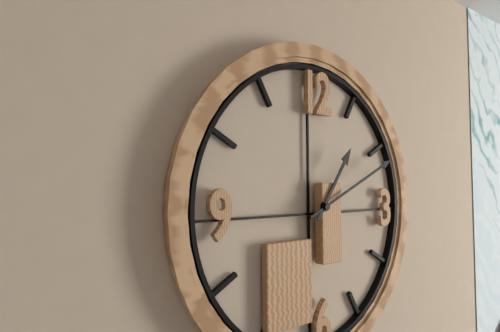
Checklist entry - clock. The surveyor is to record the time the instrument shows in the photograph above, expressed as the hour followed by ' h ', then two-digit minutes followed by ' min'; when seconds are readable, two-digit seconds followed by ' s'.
1 h 11 min
